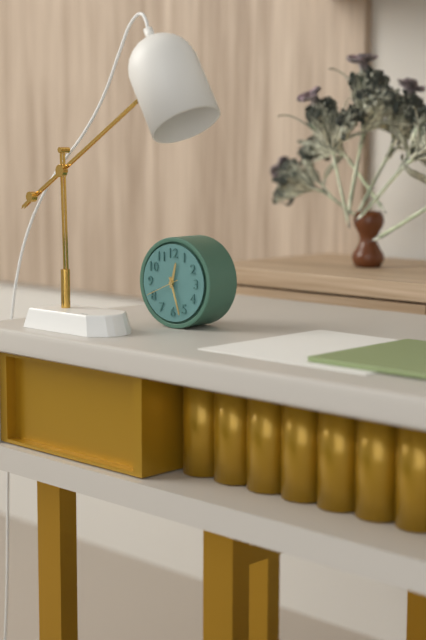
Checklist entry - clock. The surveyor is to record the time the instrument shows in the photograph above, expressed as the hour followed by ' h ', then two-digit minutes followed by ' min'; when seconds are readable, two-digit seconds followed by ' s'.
12 h 27 min
